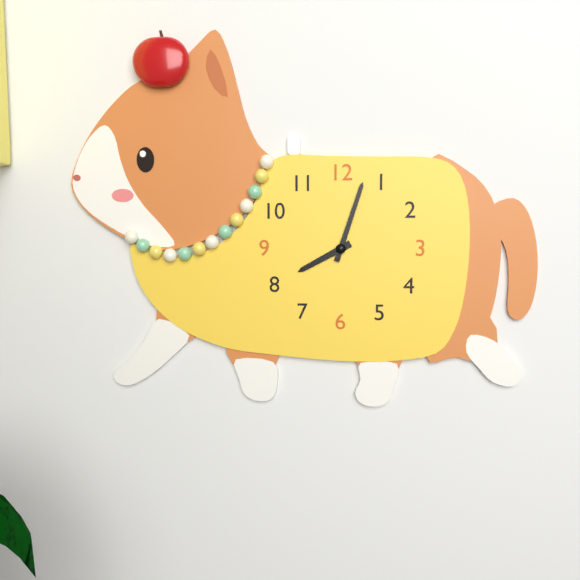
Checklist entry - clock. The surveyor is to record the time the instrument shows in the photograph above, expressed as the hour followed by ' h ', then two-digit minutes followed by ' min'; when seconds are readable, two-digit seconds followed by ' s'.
8 h 03 min
